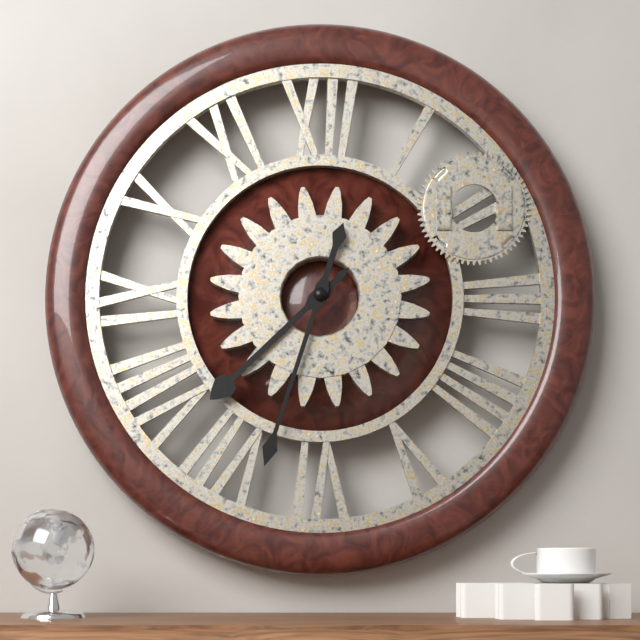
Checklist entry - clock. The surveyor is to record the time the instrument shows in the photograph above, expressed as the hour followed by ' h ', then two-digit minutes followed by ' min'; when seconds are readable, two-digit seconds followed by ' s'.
7 h 33 min
